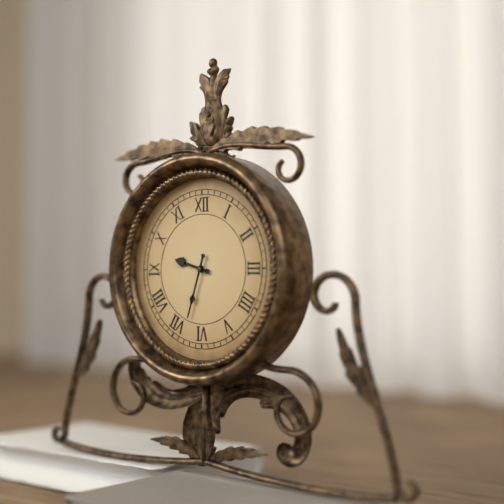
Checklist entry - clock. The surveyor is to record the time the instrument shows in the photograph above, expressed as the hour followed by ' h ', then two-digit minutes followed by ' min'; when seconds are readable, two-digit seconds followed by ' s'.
9 h 33 min
